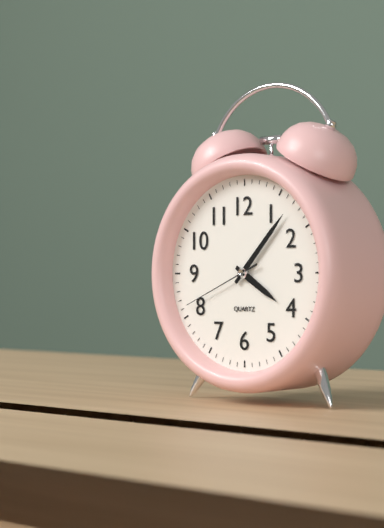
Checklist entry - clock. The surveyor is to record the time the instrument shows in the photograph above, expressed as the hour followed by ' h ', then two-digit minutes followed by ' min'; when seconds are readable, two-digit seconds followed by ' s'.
4 h 07 min 41 s
